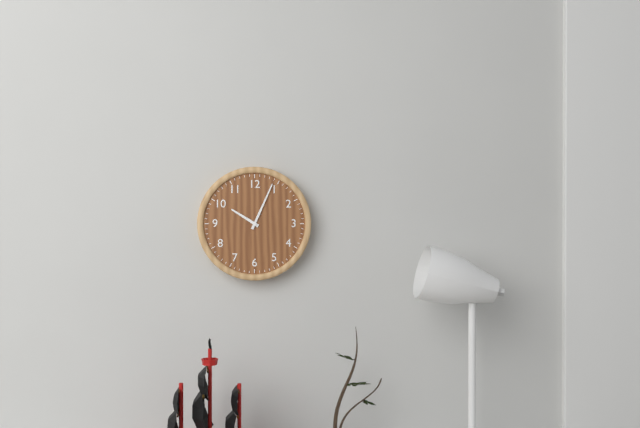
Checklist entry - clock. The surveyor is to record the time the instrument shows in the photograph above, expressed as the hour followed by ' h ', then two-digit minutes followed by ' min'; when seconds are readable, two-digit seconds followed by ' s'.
10 h 04 min
